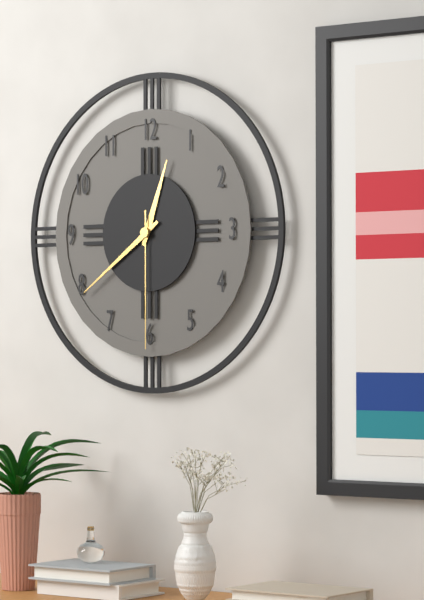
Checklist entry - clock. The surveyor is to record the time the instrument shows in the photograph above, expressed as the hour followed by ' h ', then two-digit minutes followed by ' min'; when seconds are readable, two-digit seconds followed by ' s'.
12 h 39 min 30 s
